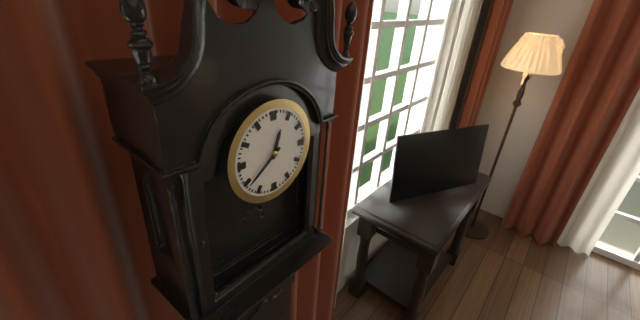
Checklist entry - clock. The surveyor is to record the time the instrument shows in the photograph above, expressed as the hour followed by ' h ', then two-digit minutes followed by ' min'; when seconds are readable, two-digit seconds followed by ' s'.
12 h 39 min
